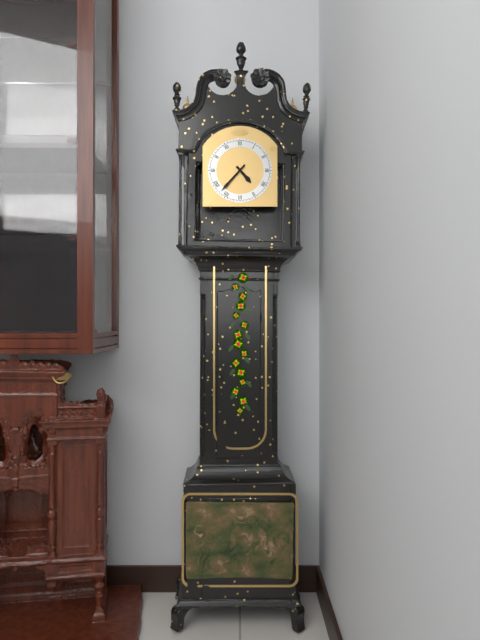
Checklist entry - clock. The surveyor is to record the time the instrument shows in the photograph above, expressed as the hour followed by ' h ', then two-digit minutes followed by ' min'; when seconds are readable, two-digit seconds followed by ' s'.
4 h 37 min
